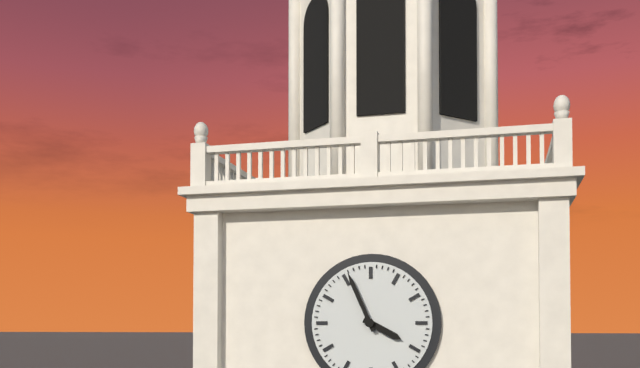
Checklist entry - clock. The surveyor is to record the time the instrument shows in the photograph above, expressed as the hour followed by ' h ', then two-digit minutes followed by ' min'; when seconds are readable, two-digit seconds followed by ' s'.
3 h 56 min
